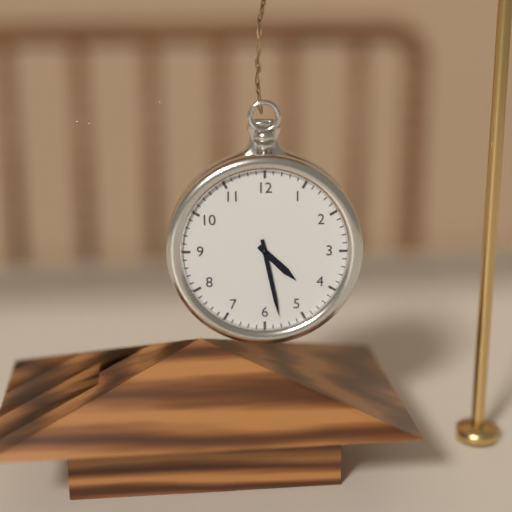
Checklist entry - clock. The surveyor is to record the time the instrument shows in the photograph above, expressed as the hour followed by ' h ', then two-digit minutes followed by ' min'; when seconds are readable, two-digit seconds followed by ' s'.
4 h 28 min
